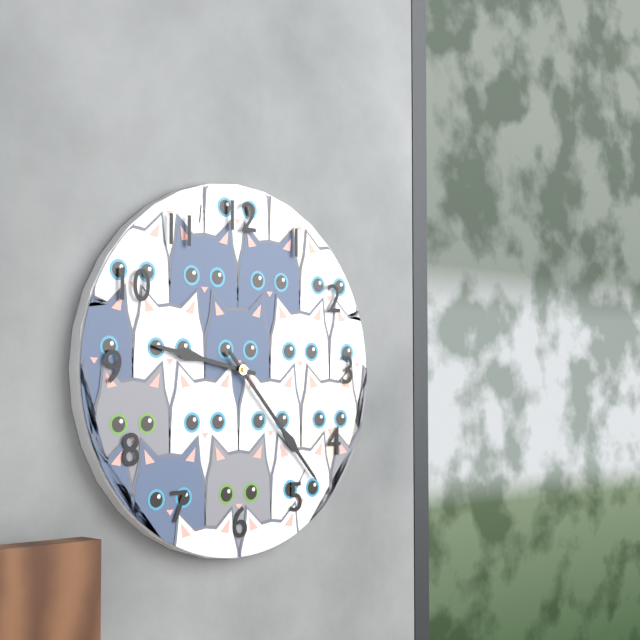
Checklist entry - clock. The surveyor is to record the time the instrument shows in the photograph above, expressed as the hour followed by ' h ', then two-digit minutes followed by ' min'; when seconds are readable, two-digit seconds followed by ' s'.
9 h 23 min
